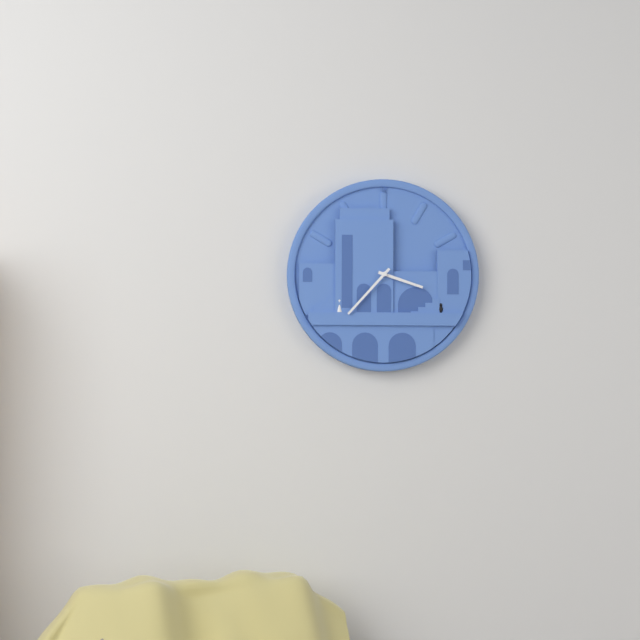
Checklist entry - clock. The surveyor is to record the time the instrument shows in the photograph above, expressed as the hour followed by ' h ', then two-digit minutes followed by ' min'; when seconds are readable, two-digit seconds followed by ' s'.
3 h 37 min
